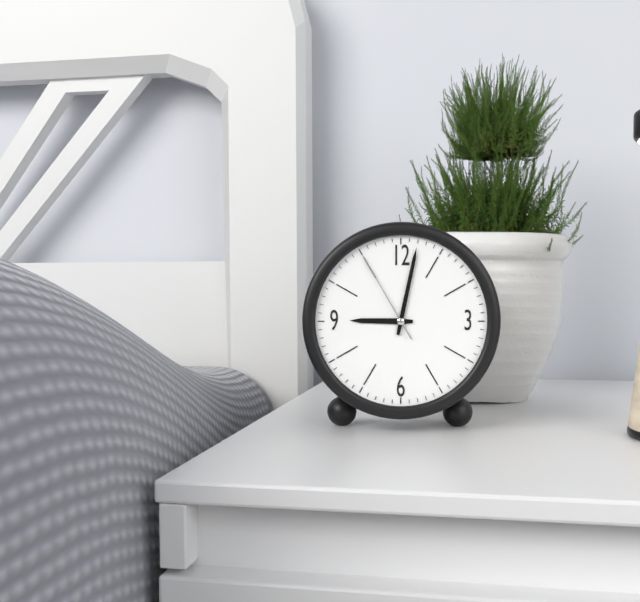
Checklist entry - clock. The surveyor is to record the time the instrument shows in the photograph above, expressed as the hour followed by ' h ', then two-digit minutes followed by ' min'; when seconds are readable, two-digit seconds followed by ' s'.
9 h 02 min 55 s
